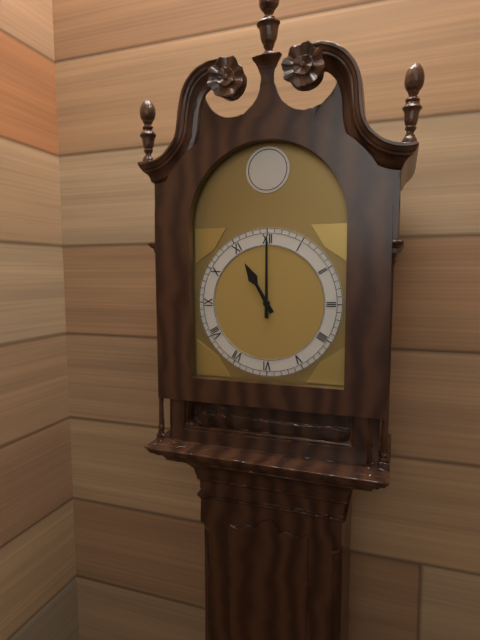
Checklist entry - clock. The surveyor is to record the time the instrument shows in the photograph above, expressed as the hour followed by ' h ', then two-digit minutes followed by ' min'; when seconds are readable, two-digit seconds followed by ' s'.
11 h 00 min
